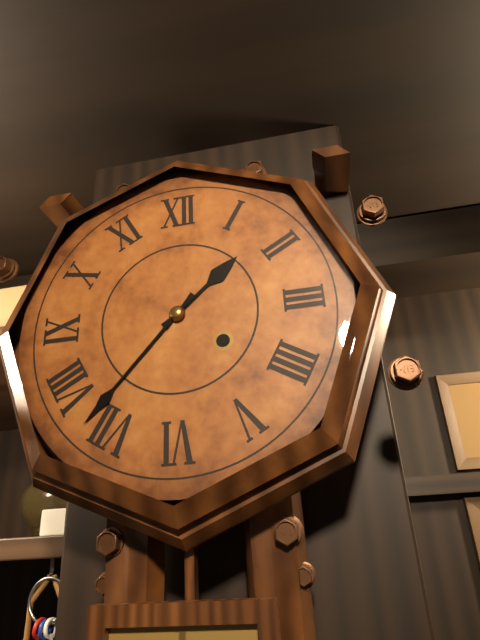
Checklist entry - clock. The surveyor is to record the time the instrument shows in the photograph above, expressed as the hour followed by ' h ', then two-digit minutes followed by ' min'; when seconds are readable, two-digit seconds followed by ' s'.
1 h 37 min
